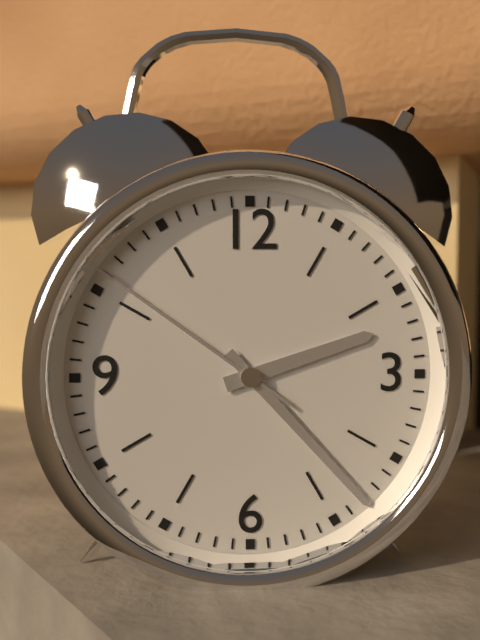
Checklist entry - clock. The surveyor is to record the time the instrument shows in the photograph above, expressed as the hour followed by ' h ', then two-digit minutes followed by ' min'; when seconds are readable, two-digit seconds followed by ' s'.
2 h 23 min 51 s
